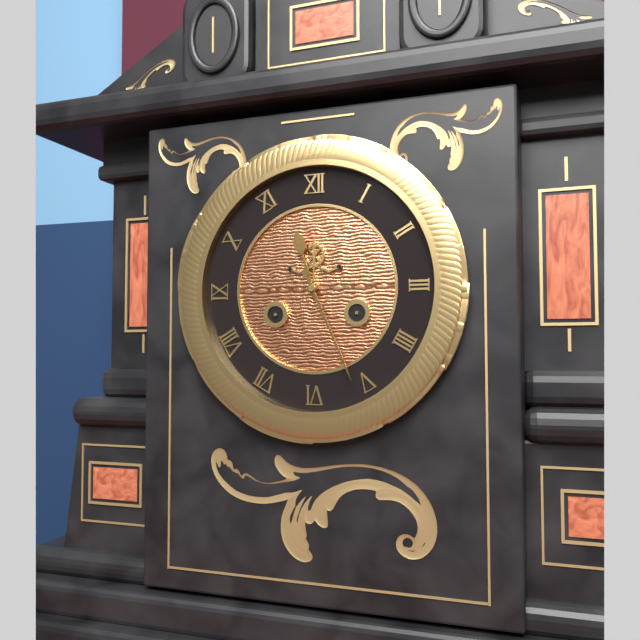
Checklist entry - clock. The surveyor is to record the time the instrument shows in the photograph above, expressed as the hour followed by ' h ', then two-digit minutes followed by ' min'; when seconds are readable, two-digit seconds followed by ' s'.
11 h 26 min
